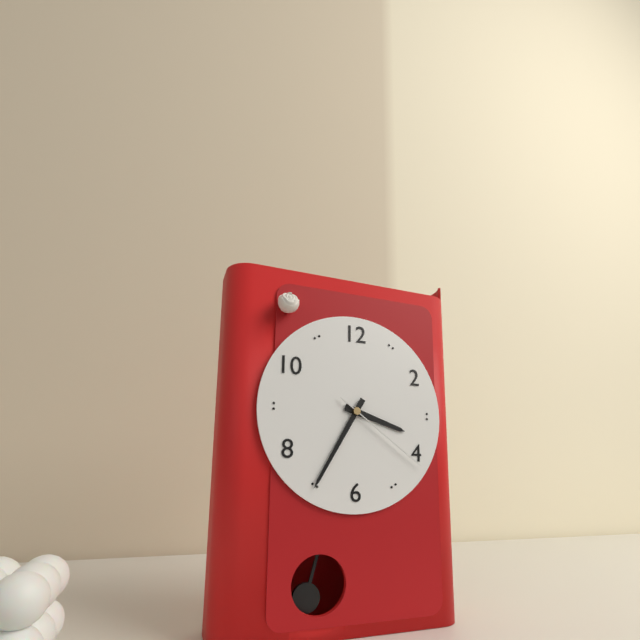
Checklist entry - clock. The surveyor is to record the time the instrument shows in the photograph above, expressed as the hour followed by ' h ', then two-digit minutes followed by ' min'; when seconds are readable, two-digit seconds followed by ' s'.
3 h 35 min 21 s
